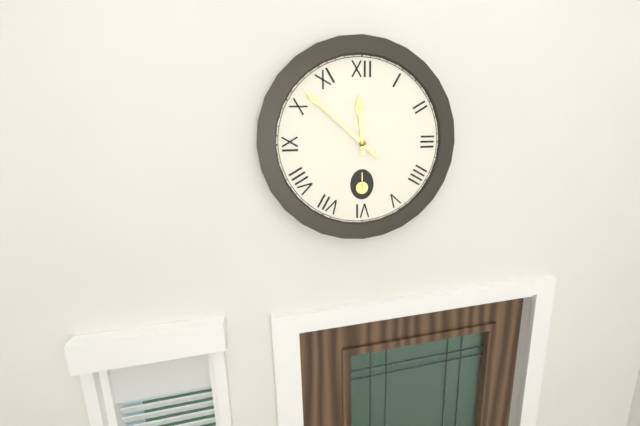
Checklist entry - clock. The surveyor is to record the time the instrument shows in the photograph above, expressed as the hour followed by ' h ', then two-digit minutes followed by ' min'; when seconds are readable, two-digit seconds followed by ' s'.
11 h 52 min
